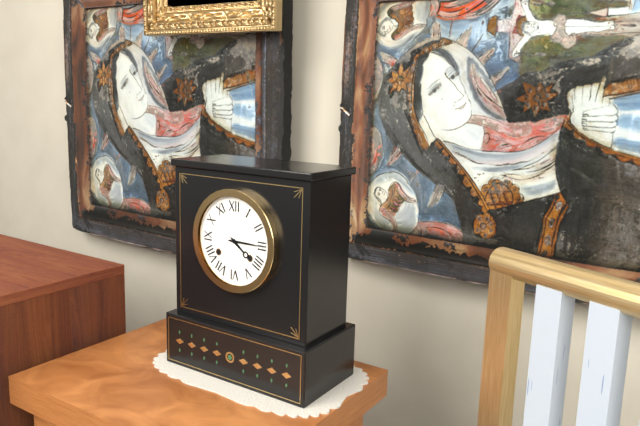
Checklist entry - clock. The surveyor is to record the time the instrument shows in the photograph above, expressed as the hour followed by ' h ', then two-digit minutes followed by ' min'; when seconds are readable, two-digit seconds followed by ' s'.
4 h 15 min
